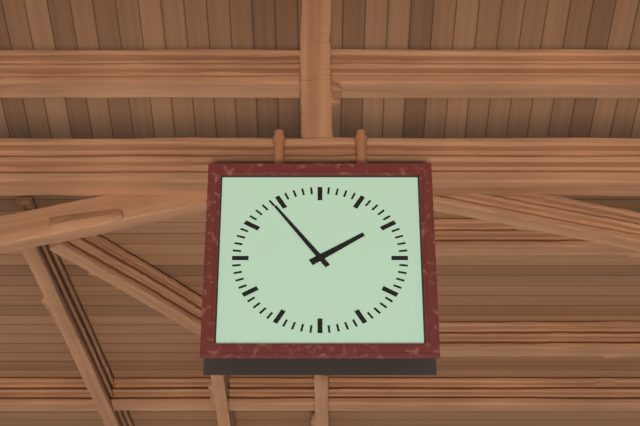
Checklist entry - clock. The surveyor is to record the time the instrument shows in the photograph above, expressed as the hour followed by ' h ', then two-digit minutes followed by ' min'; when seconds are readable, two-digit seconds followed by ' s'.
1 h 54 min
